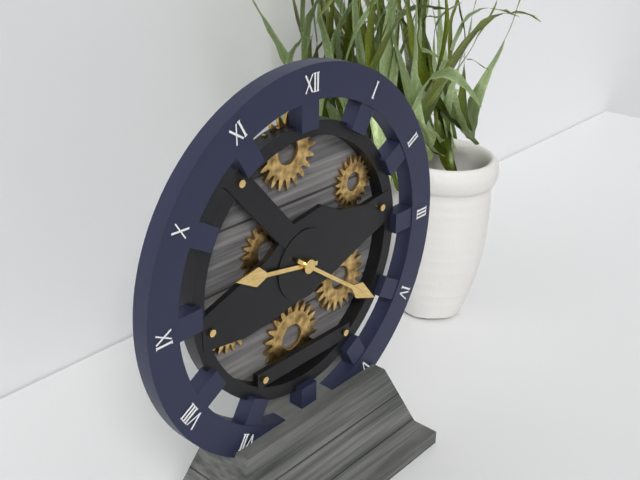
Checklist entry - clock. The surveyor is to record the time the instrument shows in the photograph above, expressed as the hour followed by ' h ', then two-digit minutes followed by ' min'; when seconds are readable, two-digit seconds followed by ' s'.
9 h 21 min
